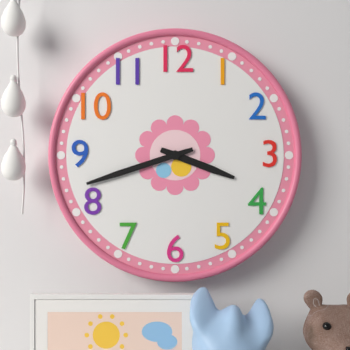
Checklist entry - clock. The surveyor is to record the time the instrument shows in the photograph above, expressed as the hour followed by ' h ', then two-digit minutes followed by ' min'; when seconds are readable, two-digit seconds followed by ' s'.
3 h 42 min
